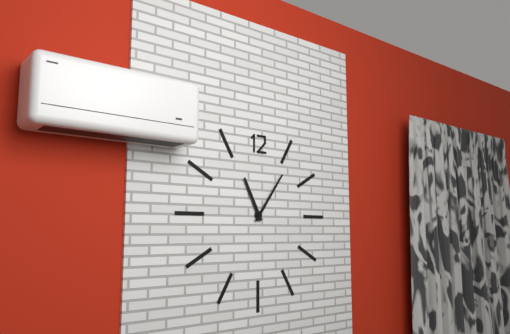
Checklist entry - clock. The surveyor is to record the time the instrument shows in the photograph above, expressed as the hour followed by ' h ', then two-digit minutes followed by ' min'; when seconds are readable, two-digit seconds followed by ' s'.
11 h 06 min
